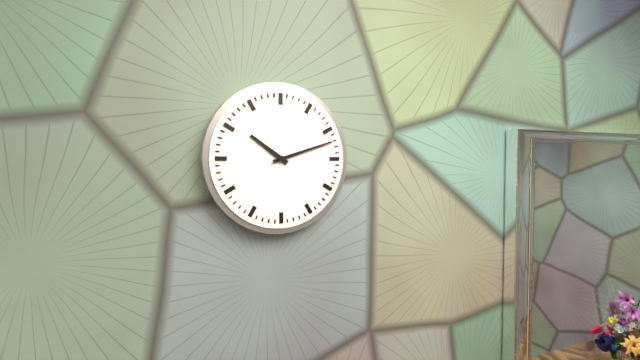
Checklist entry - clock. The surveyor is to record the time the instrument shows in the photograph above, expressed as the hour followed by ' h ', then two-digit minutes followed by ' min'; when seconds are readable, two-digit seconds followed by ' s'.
10 h 12 min
